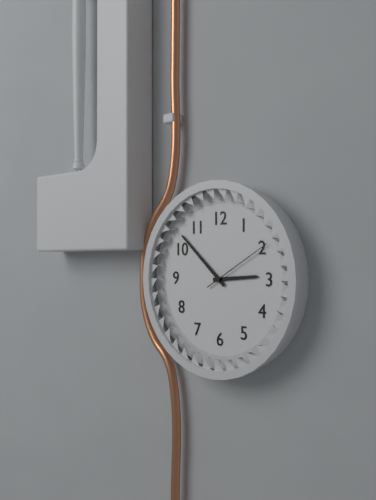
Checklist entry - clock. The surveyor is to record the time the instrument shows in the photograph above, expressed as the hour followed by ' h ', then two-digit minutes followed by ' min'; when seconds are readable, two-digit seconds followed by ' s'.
2 h 52 min 10 s
